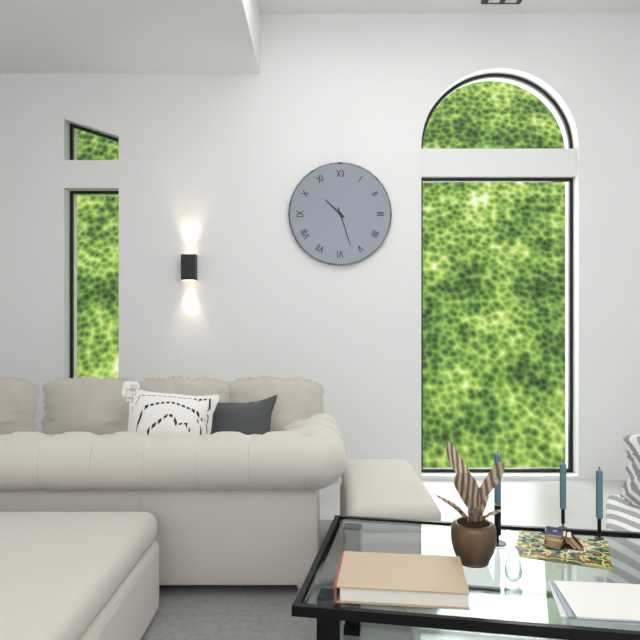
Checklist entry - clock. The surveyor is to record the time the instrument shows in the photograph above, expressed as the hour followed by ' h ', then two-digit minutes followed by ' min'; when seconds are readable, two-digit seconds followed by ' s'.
10 h 27 min
